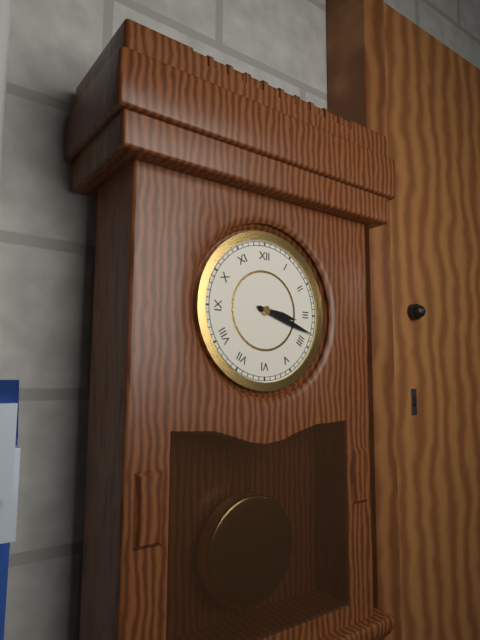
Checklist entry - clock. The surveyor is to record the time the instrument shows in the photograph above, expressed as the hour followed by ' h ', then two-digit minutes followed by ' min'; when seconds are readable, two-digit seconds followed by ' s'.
3 h 18 min
